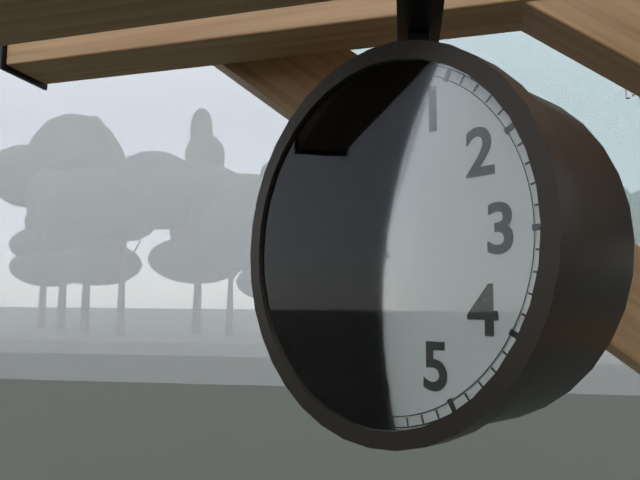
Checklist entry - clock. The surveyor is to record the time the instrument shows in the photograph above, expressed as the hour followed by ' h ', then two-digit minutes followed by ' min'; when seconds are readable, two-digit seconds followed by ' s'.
11 h 04 min
